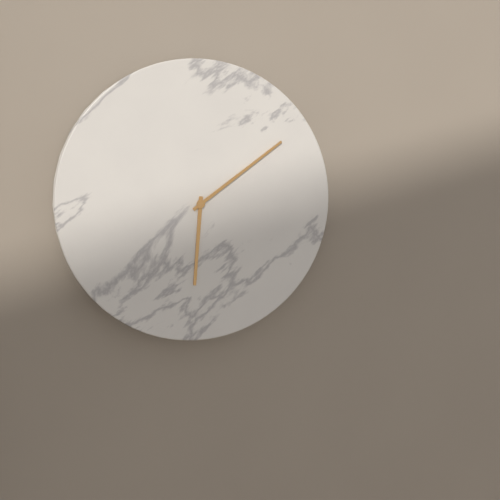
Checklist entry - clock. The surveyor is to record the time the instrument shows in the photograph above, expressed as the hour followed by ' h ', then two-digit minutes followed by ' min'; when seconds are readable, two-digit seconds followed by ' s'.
6 h 09 min
